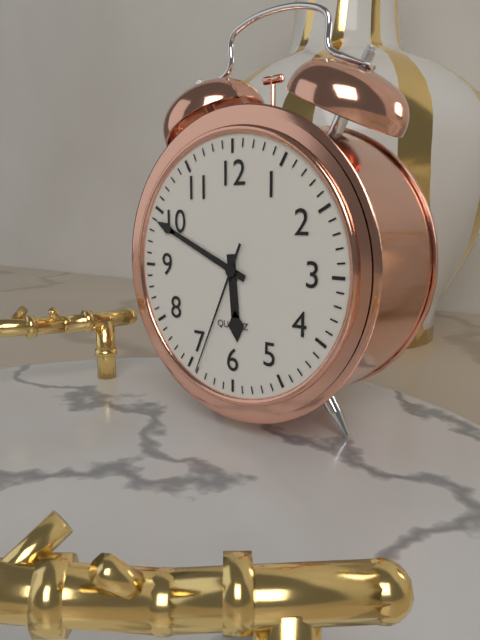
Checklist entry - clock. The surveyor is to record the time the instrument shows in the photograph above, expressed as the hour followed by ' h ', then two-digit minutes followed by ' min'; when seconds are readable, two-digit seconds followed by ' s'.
5 h 49 min 34 s
